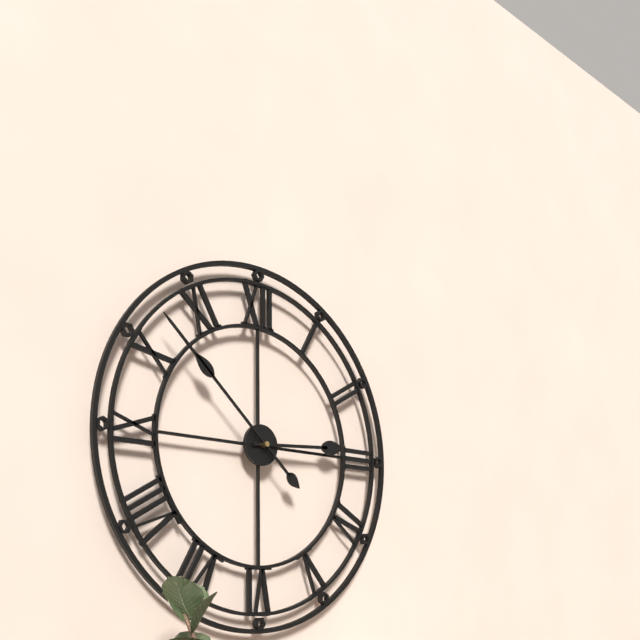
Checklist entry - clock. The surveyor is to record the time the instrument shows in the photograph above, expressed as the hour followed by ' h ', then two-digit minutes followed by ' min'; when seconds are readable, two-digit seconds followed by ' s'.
2 h 52 min
